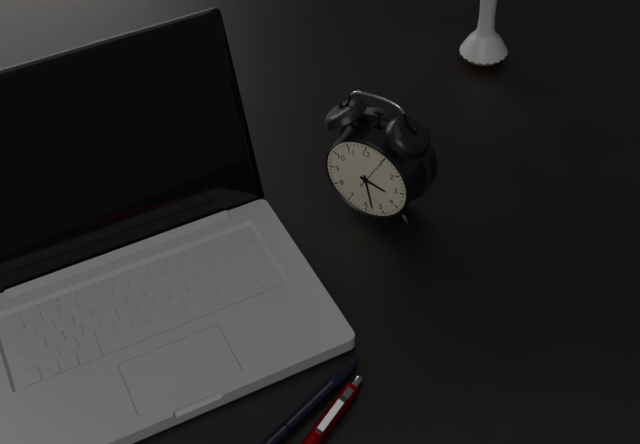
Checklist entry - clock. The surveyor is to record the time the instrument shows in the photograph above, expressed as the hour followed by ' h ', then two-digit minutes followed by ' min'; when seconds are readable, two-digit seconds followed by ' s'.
3 h 28 min
